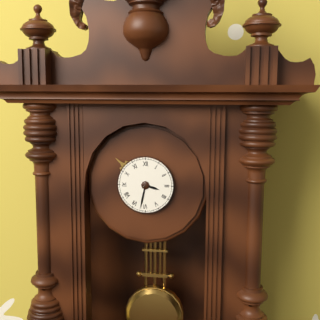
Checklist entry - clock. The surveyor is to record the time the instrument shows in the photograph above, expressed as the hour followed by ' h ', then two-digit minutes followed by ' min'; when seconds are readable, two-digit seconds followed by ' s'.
3 h 32 min
